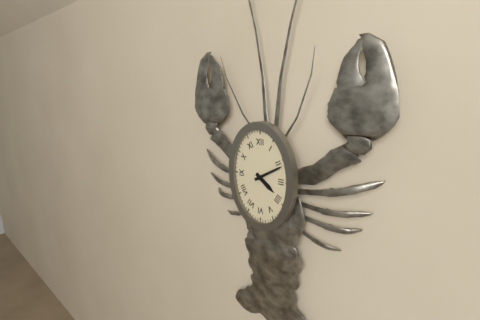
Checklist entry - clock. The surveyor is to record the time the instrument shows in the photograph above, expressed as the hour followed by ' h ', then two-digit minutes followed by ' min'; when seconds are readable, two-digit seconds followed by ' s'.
4 h 10 min
